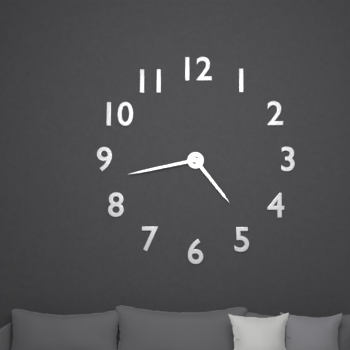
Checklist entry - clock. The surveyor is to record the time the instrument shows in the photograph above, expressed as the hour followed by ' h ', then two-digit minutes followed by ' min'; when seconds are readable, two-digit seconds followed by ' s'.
4 h 43 min
